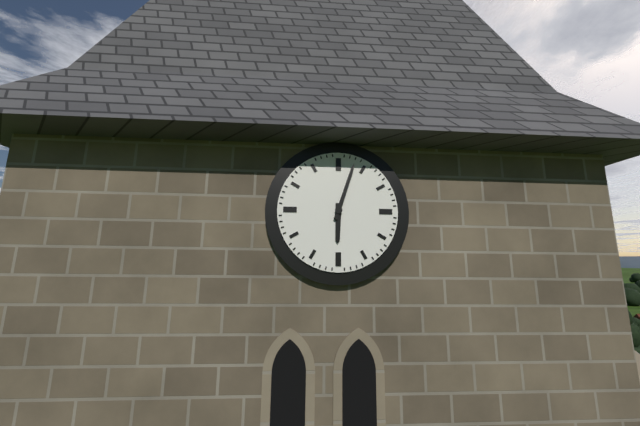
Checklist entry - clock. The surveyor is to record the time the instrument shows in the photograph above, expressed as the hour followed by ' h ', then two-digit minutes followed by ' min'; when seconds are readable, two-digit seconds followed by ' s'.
6 h 03 min
